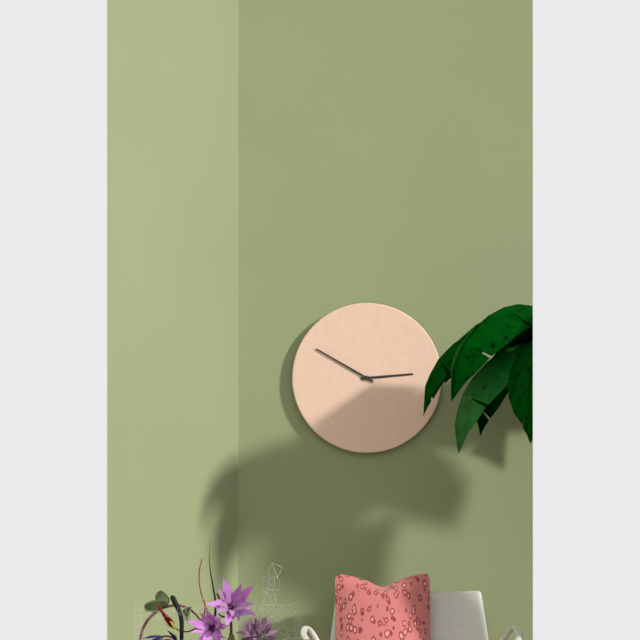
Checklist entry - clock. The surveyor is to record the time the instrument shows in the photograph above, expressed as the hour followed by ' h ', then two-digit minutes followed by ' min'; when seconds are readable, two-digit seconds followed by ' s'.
2 h 50 min
